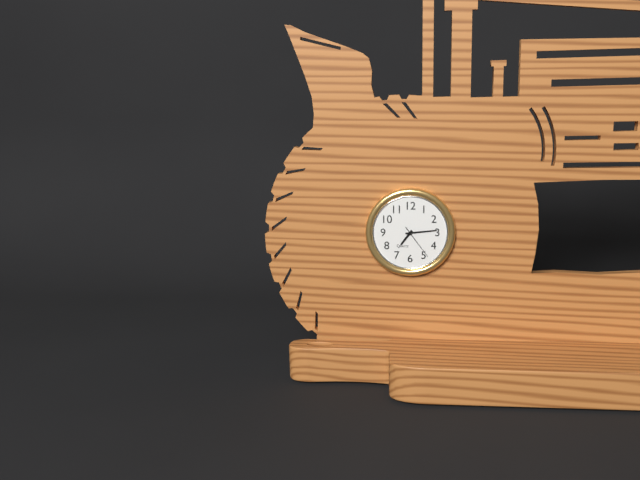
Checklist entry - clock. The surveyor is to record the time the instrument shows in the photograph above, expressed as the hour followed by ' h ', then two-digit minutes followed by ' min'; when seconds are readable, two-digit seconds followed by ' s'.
7 h 14 min
